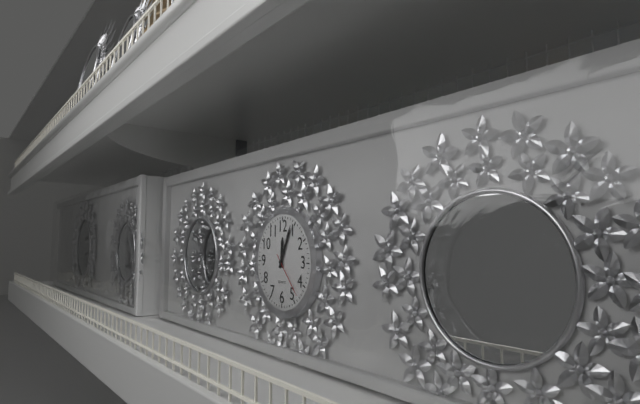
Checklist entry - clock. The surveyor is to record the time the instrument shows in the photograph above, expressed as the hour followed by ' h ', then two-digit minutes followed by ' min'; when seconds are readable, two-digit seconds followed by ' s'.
12 h 04 min
